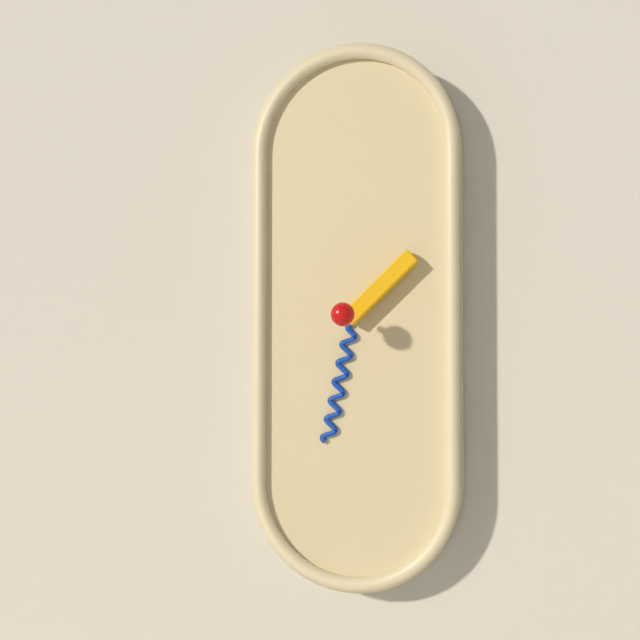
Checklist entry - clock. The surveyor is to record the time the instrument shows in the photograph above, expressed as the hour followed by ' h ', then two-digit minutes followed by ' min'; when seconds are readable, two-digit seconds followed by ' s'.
1 h 32 min
